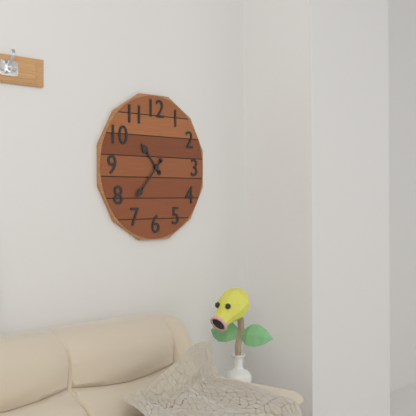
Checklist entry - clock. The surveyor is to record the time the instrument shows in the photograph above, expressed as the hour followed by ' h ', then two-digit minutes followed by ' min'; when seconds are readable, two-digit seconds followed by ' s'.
10 h 37 min
